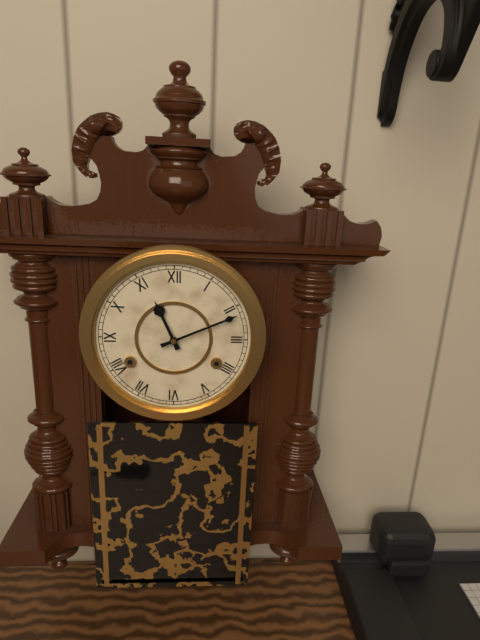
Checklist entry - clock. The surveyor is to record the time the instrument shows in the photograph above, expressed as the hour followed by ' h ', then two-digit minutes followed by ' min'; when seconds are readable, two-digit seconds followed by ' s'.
11 h 11 min
